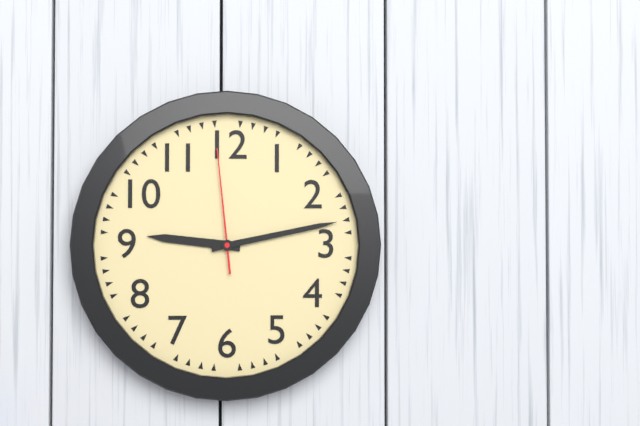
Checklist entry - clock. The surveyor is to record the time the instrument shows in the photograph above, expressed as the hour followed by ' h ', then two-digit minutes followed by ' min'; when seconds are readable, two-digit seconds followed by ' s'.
9 h 13 min 59 s
